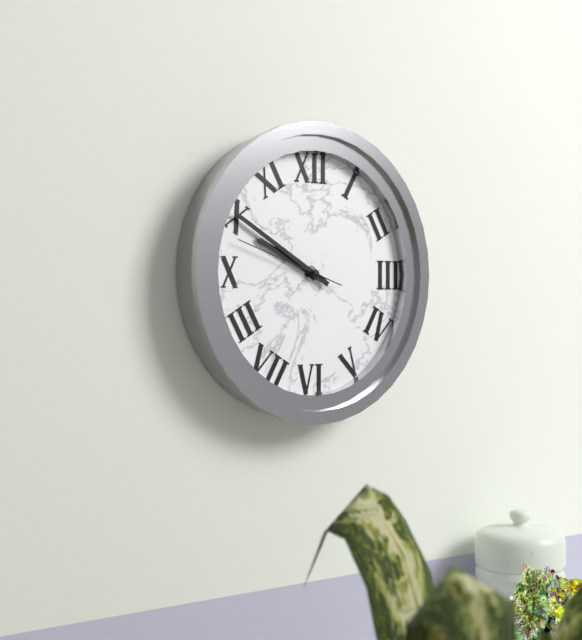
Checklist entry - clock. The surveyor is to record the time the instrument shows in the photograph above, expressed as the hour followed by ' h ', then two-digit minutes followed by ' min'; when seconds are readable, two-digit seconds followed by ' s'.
9 h 50 min 48 s
